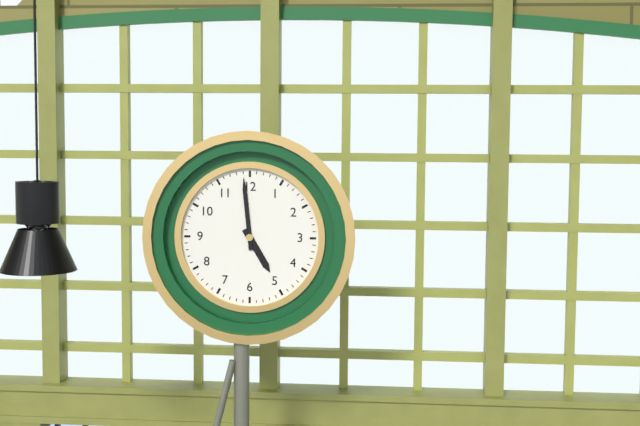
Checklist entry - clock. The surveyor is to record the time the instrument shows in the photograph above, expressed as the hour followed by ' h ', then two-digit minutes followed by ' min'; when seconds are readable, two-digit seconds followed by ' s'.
4 h 59 min
